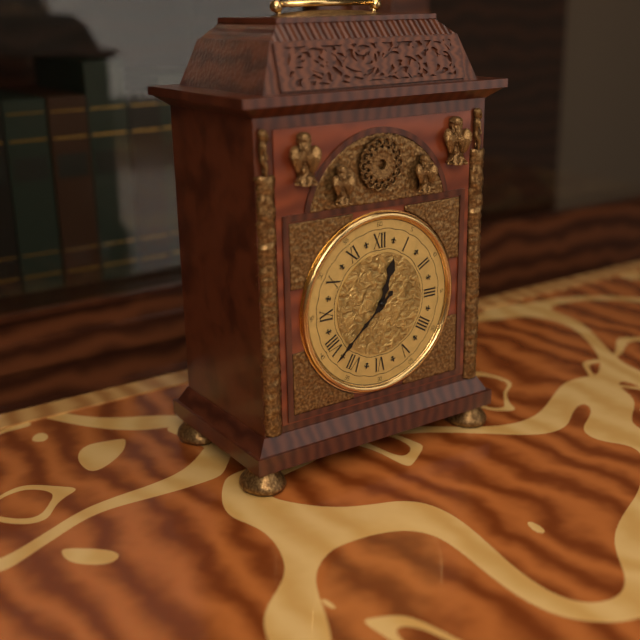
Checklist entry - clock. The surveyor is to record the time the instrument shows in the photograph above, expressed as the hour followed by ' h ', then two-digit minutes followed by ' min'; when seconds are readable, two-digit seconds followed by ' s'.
12 h 38 min
